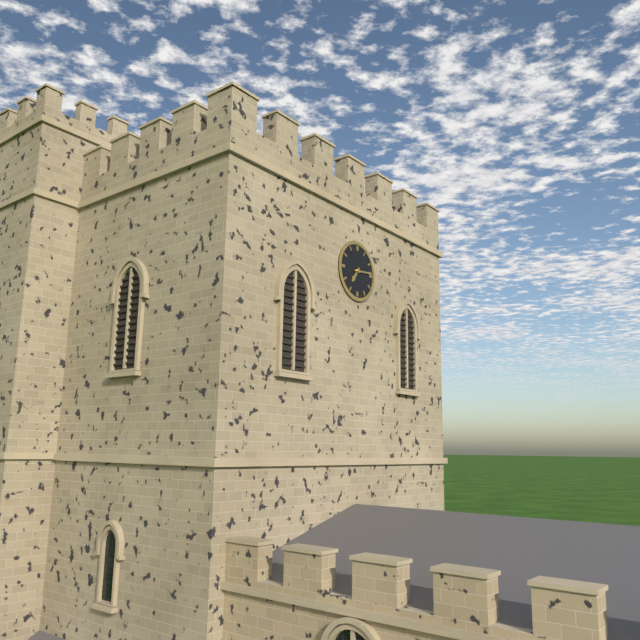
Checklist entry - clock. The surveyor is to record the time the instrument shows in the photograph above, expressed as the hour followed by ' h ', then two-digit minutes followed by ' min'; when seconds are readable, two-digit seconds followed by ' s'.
7 h 14 min
